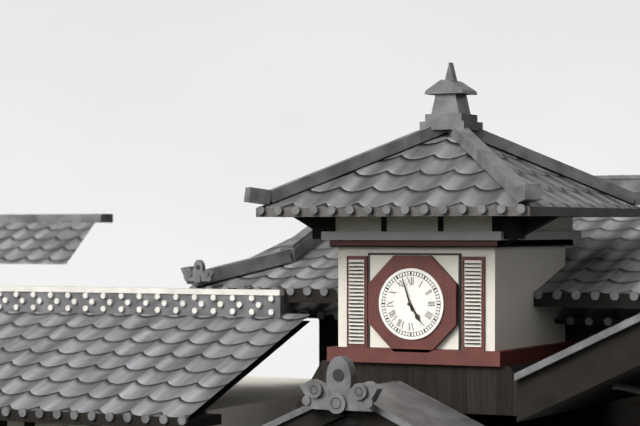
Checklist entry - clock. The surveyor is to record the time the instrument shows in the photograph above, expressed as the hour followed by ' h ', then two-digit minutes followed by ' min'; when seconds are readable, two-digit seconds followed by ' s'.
4 h 57 min
